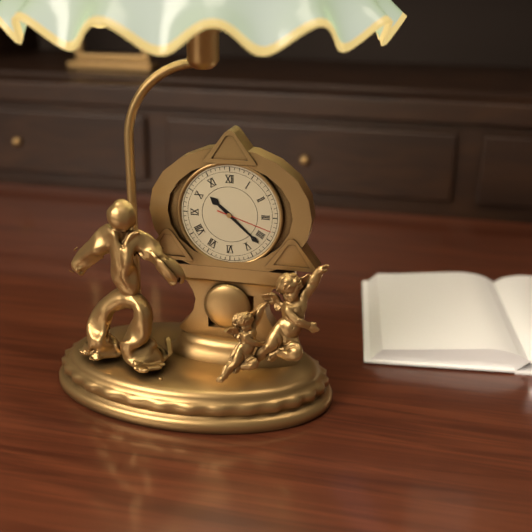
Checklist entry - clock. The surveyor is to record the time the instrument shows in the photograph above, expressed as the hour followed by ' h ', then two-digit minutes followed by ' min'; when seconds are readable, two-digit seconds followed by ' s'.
10 h 22 min 18 s
